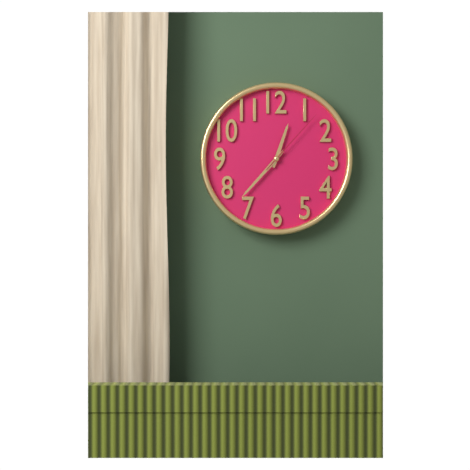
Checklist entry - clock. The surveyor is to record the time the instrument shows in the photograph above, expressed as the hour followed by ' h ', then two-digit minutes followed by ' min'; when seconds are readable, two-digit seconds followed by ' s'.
12 h 37 min 07 s
